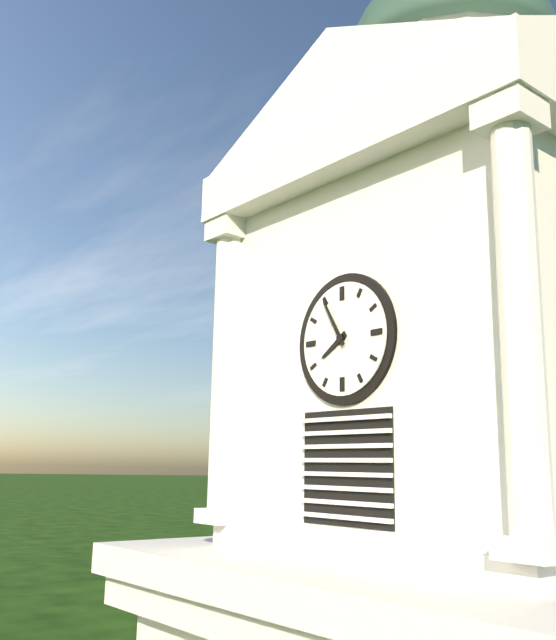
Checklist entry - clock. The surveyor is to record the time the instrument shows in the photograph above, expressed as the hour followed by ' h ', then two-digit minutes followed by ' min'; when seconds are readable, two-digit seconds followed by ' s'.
7 h 55 min
